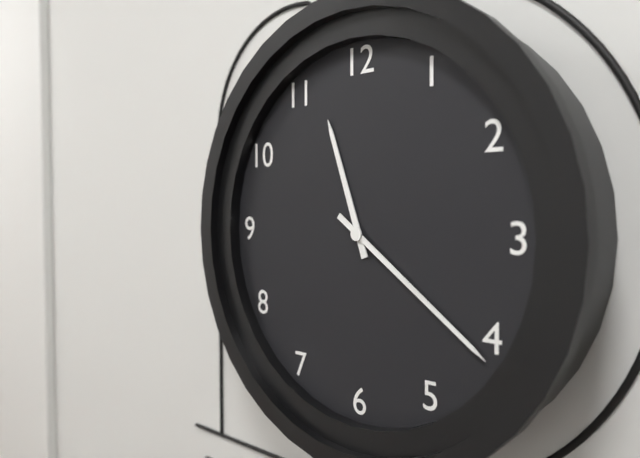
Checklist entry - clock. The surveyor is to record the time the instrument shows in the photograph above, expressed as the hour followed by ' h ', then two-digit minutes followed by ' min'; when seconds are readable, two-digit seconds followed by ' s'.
11 h 21 min
